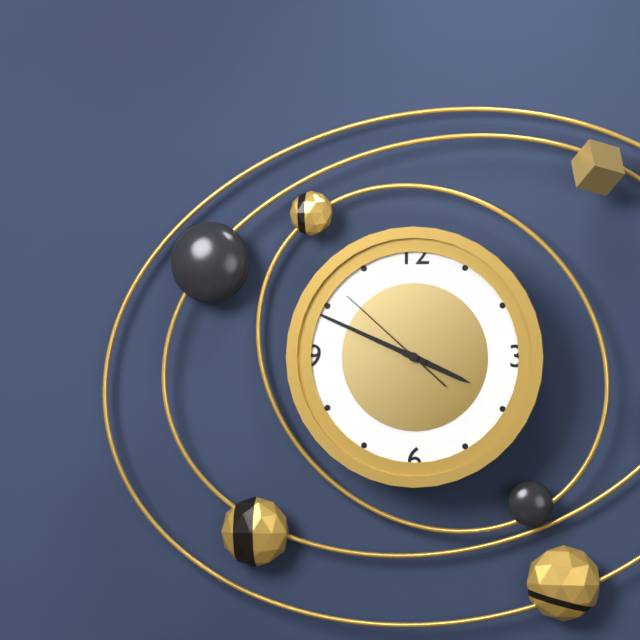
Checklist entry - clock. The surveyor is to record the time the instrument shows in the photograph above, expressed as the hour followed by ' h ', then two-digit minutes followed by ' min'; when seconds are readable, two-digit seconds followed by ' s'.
3 h 49 min 52 s
